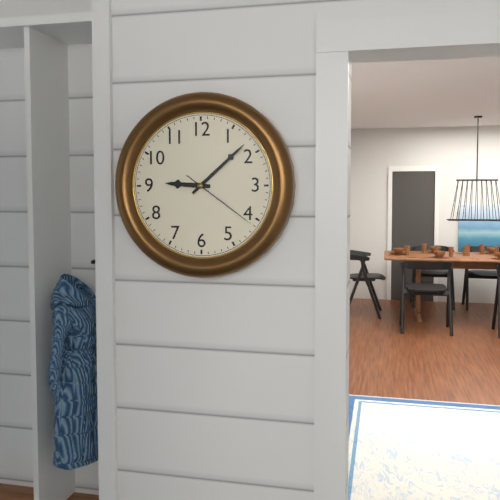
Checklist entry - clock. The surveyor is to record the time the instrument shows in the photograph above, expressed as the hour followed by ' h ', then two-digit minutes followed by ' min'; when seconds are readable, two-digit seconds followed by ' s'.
9 h 08 min 21 s
